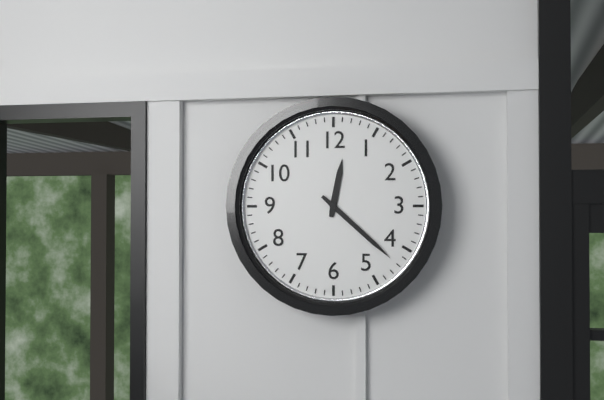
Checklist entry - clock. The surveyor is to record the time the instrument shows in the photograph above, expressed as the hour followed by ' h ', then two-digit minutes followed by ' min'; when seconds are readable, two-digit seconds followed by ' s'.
12 h 22 min
